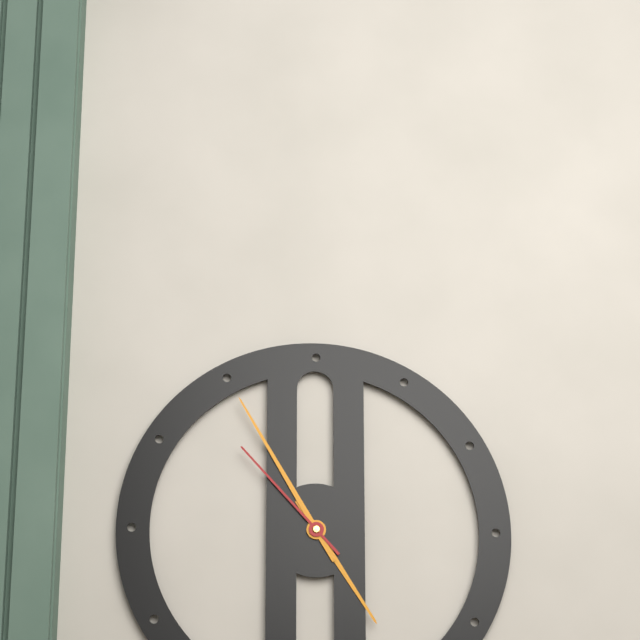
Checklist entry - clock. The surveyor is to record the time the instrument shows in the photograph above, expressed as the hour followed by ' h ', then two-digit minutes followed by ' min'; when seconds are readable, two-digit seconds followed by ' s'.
4 h 55 min 53 s
